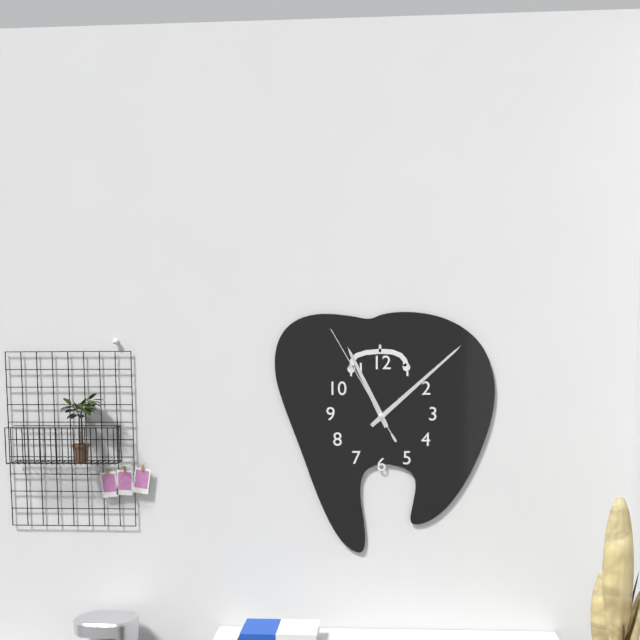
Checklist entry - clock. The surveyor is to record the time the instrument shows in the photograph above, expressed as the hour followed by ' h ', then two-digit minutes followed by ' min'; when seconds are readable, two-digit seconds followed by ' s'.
11 h 08 min 55 s
